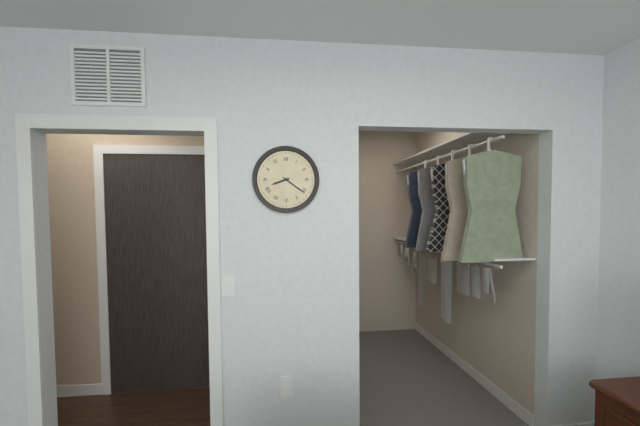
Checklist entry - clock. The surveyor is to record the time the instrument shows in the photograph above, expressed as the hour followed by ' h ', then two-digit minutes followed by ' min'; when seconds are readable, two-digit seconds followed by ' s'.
8 h 21 min
